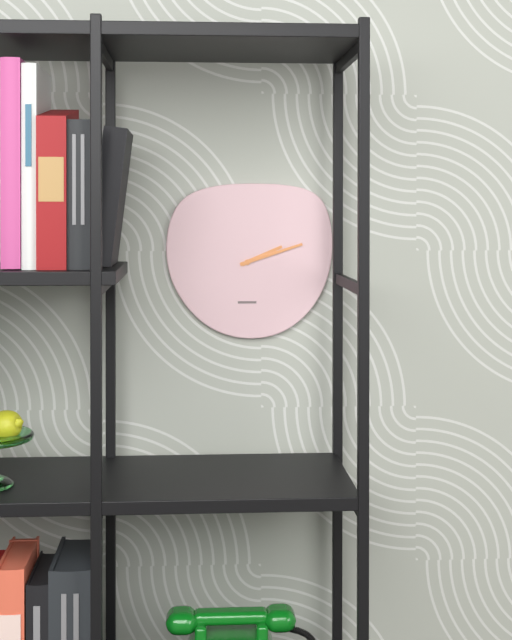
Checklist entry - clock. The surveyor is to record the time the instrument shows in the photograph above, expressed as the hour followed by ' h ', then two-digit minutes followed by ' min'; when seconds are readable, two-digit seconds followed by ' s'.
2 h 12 min
